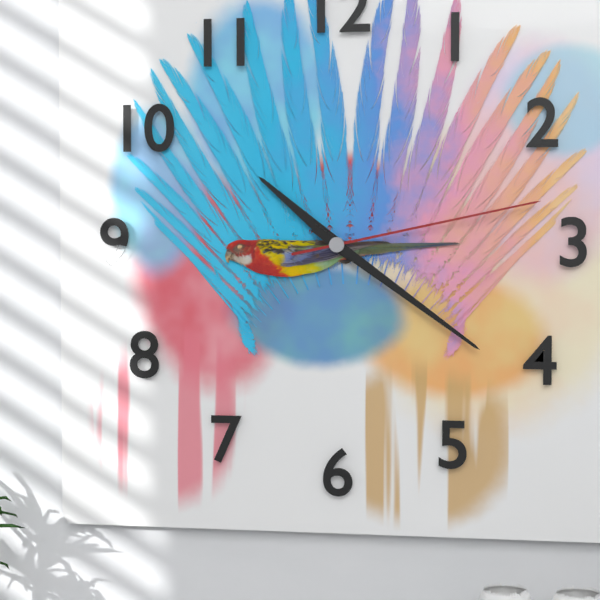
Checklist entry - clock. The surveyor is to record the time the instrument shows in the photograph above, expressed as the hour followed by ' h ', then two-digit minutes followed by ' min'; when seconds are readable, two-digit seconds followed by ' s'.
10 h 21 min 13 s
